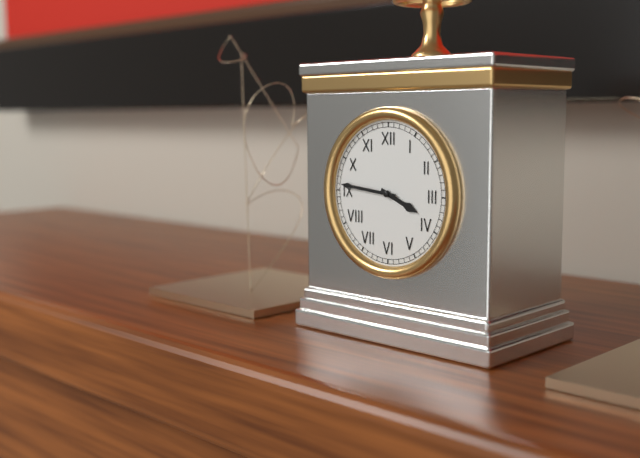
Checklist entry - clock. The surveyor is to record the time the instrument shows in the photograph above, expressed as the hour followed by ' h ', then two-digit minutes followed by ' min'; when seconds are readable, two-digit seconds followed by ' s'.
3 h 46 min
